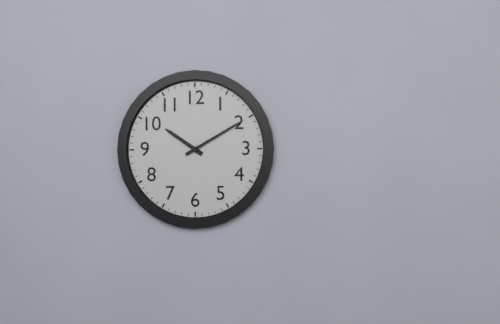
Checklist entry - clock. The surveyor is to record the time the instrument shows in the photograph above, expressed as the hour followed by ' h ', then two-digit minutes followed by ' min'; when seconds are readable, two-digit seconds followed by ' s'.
10 h 10 min
